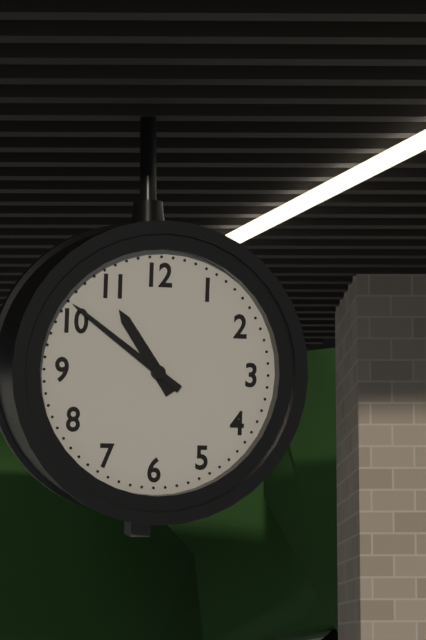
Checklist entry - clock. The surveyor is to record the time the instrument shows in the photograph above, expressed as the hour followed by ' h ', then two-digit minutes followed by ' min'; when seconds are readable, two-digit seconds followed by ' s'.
10 h 51 min
